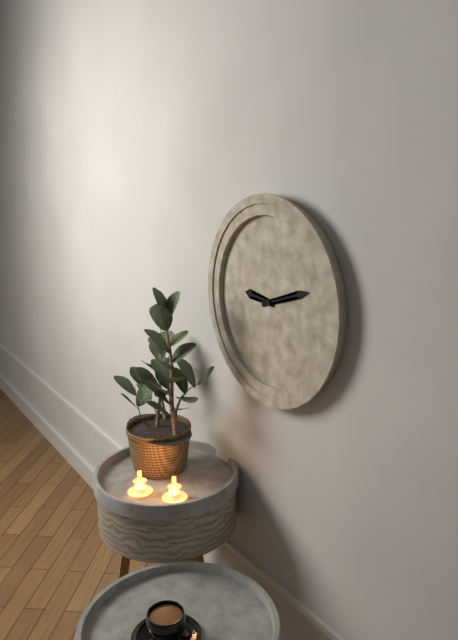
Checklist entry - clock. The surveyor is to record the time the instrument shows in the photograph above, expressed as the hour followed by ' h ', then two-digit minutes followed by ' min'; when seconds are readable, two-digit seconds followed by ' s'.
9 h 12 min
